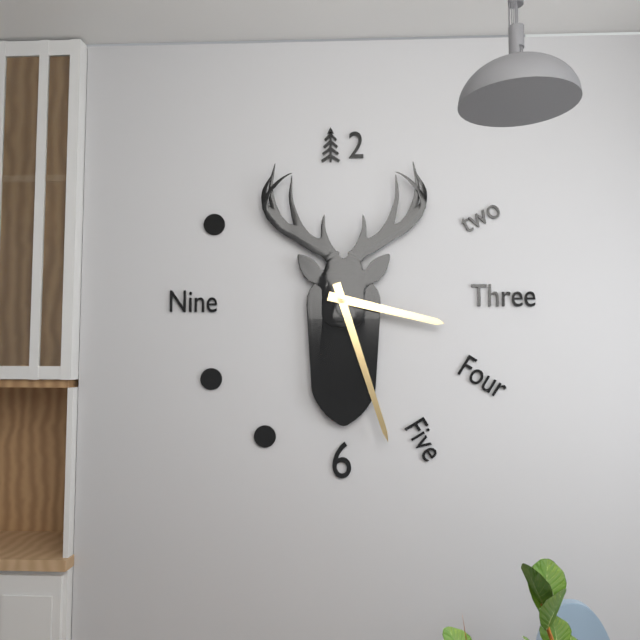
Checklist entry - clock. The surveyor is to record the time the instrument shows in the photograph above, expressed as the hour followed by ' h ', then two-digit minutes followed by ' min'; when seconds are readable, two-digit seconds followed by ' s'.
3 h 27 min
